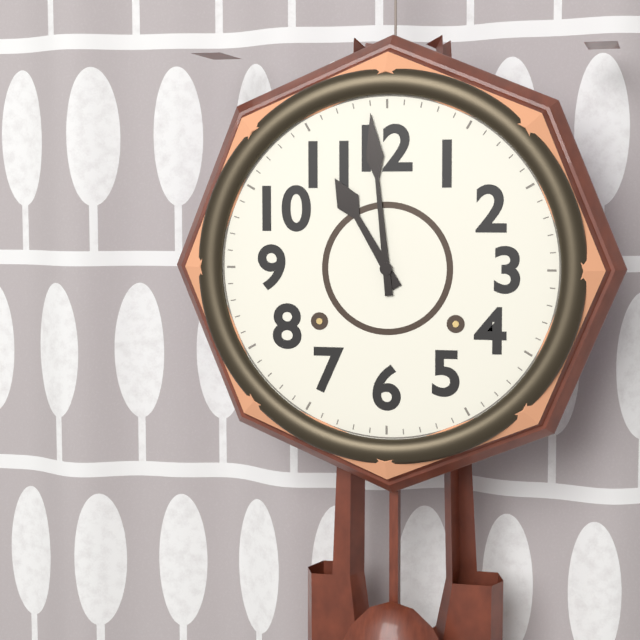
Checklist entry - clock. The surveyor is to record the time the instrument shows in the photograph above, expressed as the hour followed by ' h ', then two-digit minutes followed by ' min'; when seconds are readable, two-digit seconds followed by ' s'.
10 h 59 min
